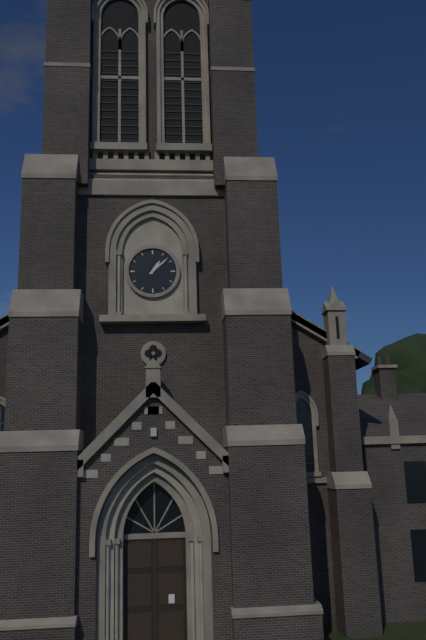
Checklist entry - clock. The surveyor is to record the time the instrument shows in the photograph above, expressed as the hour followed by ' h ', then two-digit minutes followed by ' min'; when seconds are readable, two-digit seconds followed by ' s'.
1 h 08 min
